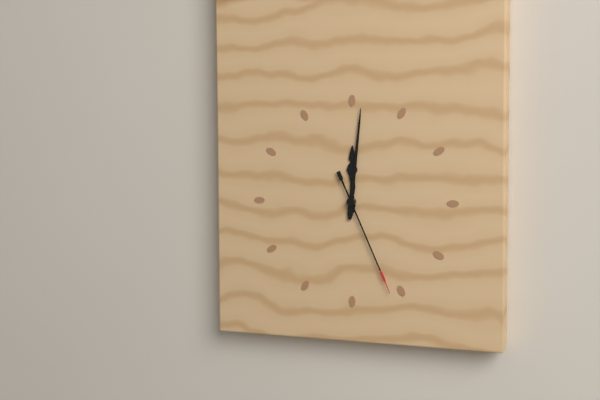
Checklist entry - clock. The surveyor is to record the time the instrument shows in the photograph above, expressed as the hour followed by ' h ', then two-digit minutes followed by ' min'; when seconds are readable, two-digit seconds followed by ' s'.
12 h 01 min 26 s
